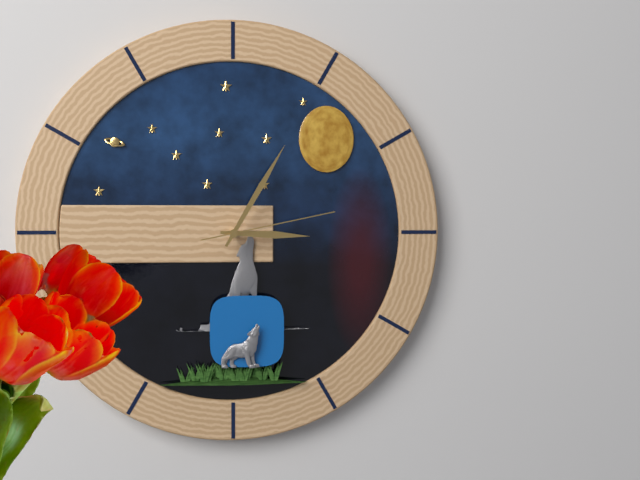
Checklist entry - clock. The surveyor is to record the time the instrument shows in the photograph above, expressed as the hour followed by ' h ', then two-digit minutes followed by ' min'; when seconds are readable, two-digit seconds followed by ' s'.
3 h 05 min 13 s
